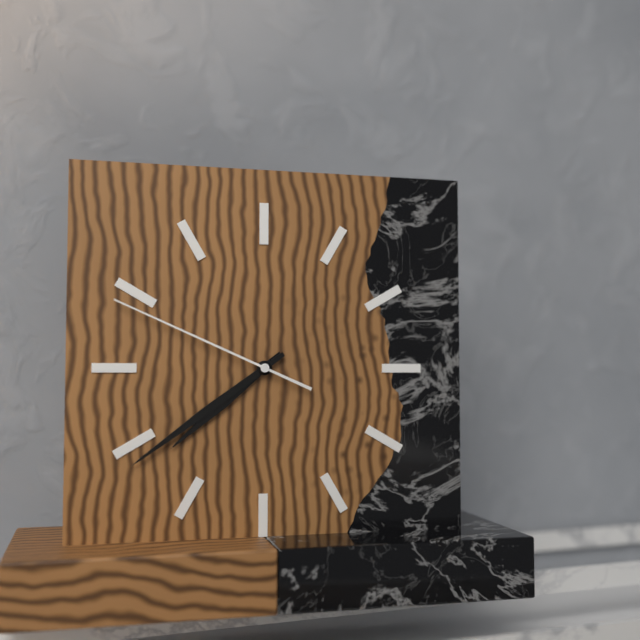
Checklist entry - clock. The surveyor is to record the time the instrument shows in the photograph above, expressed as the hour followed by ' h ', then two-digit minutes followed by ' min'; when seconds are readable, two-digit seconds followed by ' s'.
7 h 39 min 49 s
